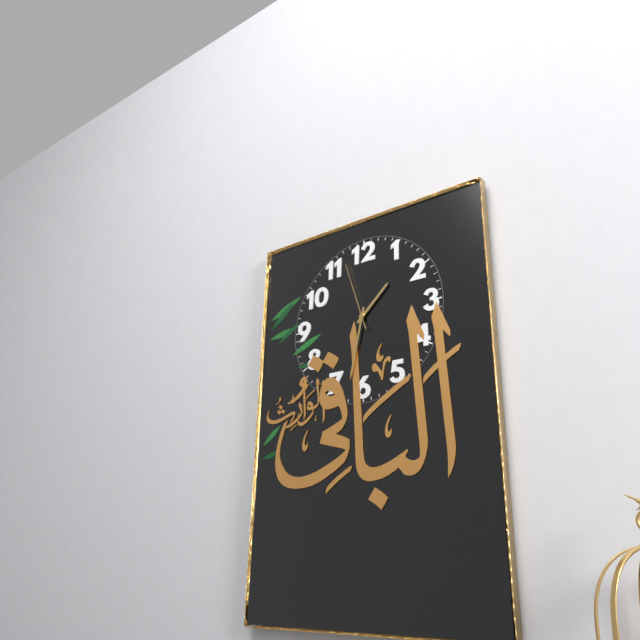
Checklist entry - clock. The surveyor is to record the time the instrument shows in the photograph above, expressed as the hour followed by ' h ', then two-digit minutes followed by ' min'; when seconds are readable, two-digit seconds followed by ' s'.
1 h 32 min 57 s
